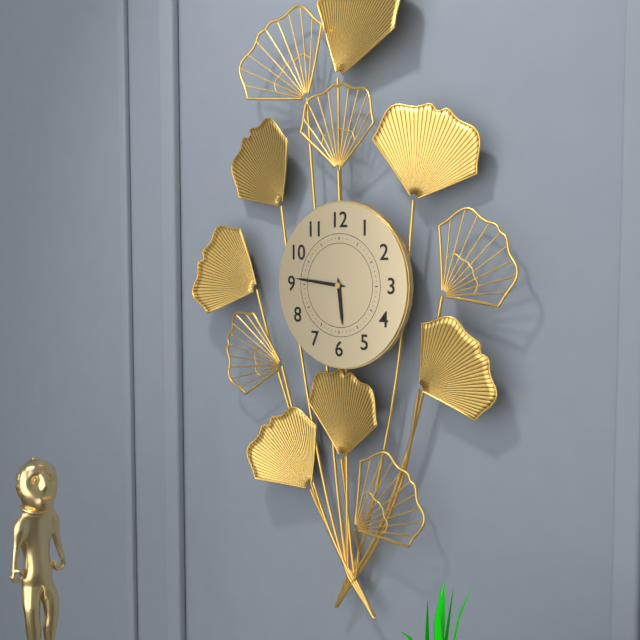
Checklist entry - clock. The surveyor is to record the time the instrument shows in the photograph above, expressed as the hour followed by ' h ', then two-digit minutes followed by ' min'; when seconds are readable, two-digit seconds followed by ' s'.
5 h 46 min
